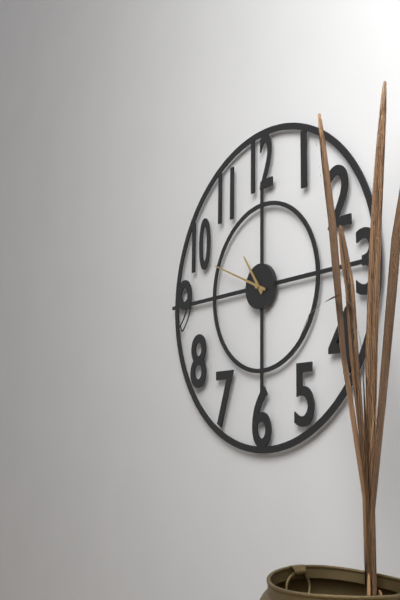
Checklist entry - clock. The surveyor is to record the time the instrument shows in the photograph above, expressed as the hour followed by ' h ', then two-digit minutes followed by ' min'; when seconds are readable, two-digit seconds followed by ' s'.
10 h 49 min
